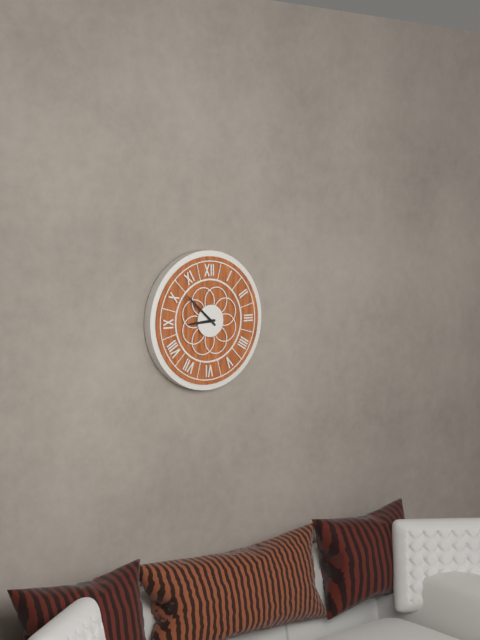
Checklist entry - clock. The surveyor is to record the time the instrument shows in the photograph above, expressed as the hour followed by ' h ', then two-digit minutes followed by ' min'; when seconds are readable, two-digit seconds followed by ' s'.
8 h 52 min
